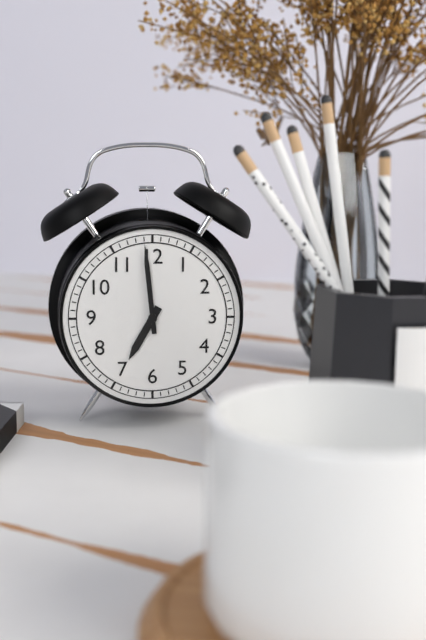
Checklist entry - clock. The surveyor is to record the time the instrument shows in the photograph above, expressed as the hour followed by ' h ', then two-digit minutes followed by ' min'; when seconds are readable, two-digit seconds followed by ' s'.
6 h 59 min
